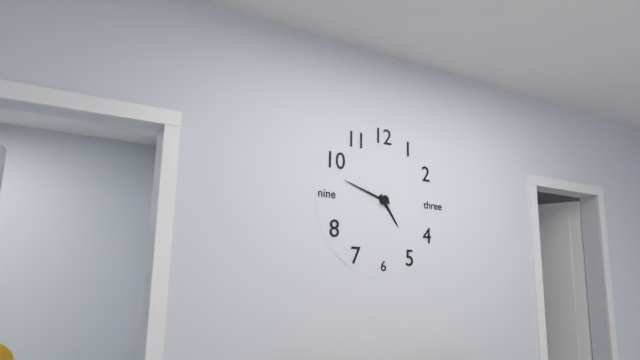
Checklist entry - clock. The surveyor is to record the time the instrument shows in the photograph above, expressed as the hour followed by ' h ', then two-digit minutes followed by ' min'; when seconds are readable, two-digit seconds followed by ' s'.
4 h 48 min
